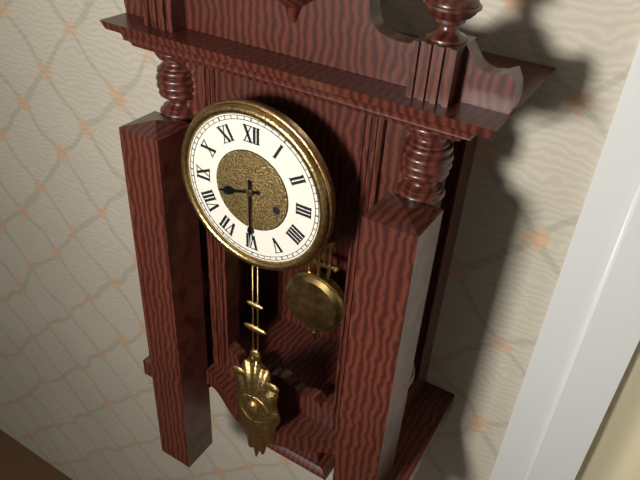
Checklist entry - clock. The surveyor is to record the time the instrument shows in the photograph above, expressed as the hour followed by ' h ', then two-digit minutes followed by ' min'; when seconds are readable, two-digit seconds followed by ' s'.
8 h 30 min
